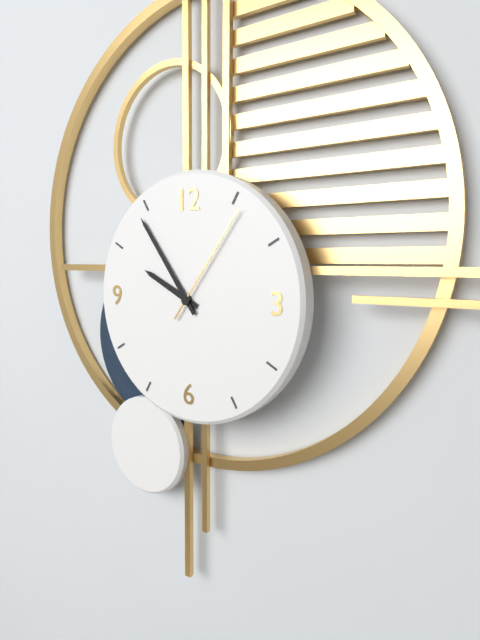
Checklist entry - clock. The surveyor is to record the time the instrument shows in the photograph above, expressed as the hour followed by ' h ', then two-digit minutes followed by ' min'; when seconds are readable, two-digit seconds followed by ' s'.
9 h 54 min 06 s
